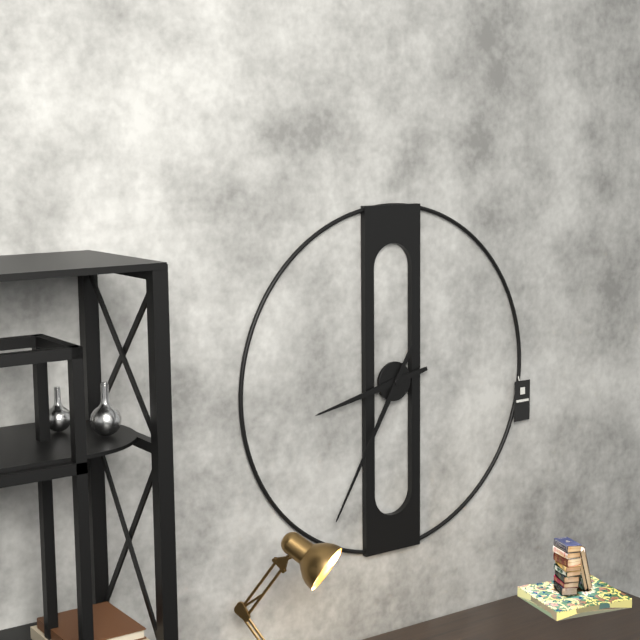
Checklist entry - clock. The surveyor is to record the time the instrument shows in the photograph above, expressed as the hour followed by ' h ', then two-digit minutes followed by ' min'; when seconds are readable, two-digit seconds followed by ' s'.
8 h 35 min
